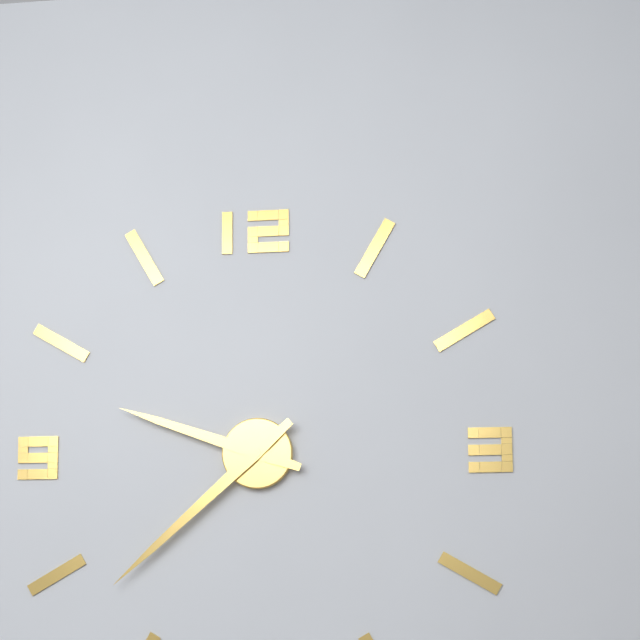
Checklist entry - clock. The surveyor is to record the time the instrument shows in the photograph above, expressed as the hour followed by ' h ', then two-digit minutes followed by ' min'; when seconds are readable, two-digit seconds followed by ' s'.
9 h 38 min
